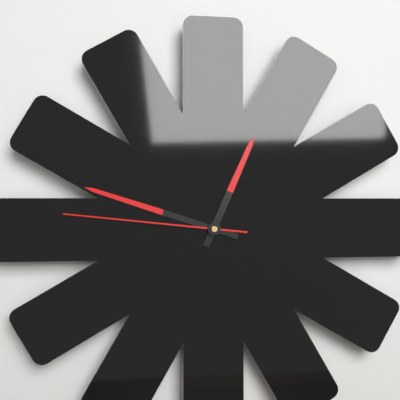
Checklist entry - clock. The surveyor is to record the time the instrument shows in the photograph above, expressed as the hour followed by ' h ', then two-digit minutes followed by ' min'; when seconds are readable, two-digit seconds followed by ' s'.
12 h 48 min 46 s
